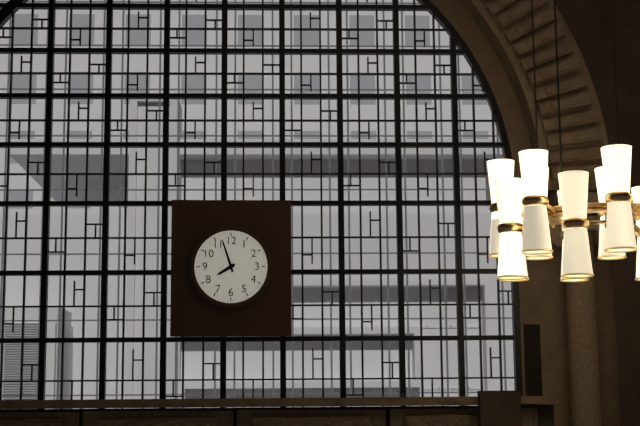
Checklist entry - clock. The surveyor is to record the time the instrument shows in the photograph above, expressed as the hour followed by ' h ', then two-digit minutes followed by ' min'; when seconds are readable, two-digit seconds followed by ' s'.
7 h 57 min
